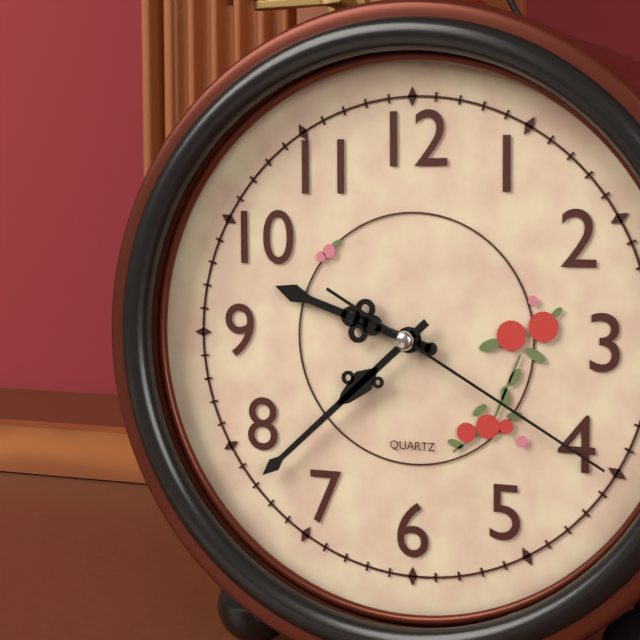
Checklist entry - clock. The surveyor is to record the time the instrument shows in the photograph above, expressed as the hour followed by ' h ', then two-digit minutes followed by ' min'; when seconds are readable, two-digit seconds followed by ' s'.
9 h 38 min 20 s
